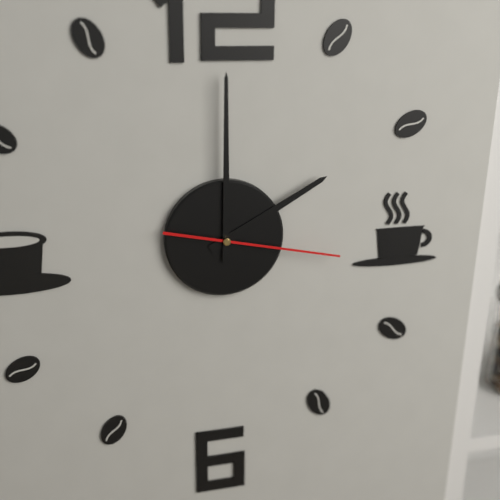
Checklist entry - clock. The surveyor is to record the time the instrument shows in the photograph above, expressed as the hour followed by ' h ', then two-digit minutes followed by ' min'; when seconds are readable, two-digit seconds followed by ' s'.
2 h 00 min 17 s
